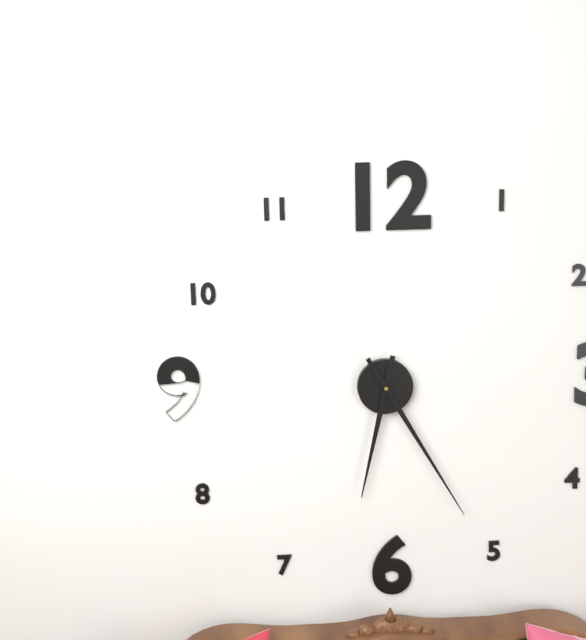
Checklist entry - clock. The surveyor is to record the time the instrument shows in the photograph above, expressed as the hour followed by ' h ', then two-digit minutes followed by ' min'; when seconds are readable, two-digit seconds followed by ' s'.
6 h 25 min
